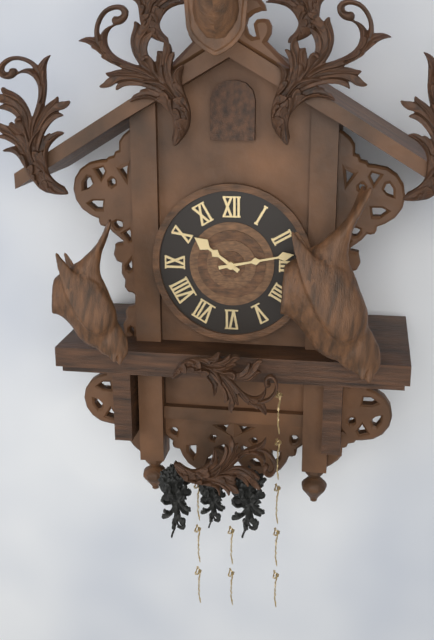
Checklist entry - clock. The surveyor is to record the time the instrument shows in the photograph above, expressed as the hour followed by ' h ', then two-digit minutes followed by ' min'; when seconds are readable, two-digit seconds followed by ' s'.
10 h 13 min
